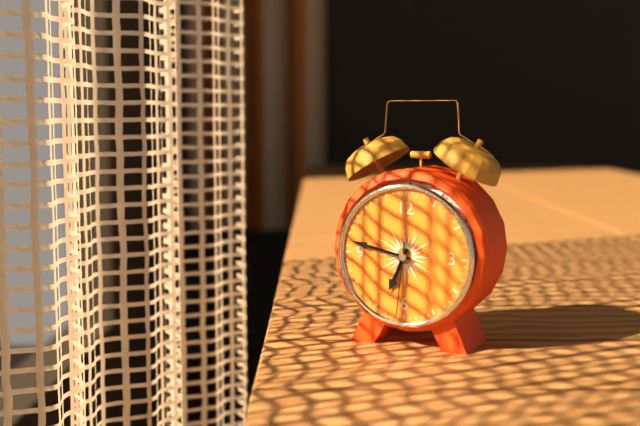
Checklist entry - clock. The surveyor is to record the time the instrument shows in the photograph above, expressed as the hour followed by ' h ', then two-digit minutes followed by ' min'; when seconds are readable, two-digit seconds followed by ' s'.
6 h 47 min 31 s
